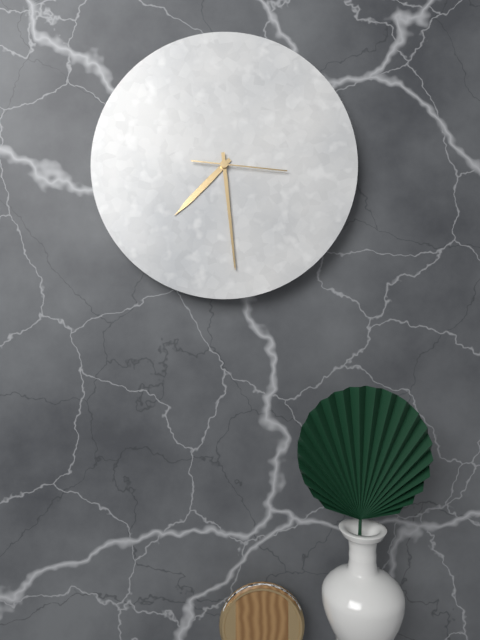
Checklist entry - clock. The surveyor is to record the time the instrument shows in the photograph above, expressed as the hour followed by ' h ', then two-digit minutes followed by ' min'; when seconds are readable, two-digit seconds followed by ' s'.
7 h 29 min 16 s
